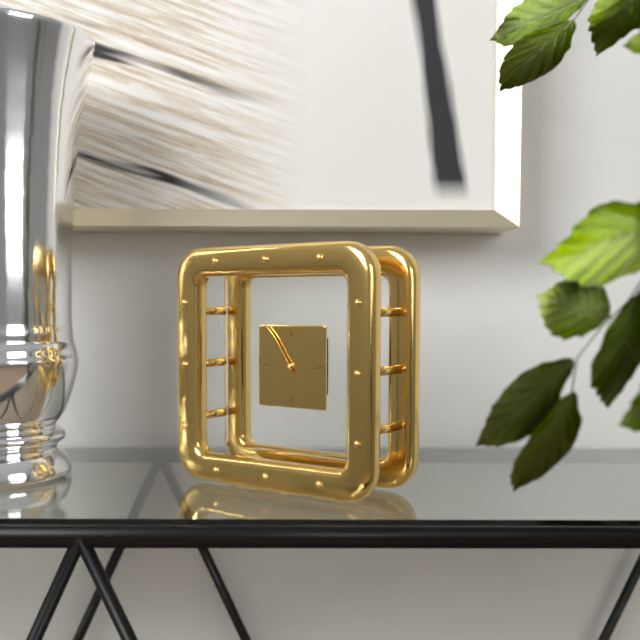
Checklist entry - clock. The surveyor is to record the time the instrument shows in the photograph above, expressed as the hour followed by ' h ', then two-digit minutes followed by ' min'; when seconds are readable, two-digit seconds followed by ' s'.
2 h 54 min
